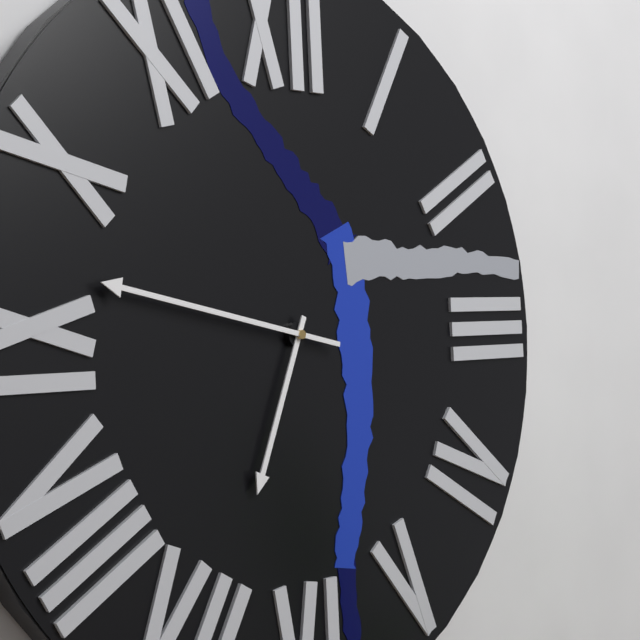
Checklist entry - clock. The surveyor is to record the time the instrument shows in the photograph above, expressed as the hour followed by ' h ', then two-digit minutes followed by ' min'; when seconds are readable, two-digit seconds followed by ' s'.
6 h 47 min
